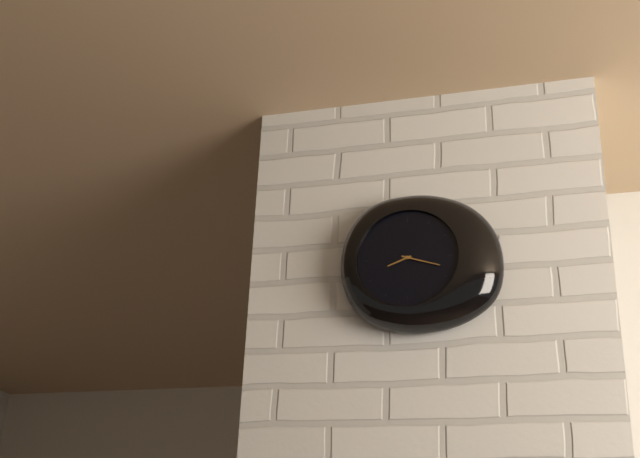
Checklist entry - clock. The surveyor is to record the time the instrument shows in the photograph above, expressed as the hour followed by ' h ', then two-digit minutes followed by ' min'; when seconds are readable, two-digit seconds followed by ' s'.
8 h 18 min
